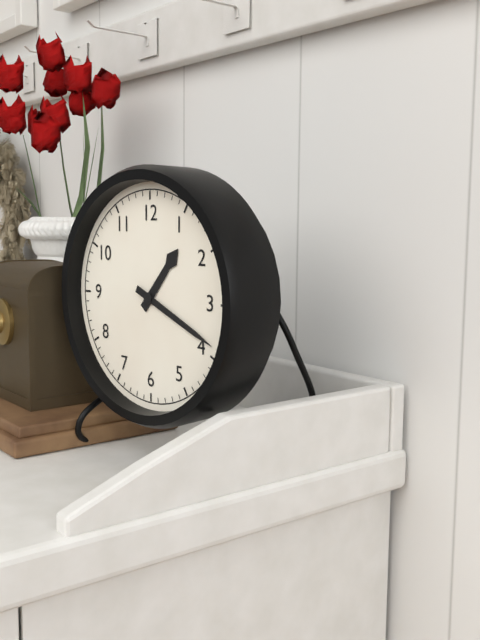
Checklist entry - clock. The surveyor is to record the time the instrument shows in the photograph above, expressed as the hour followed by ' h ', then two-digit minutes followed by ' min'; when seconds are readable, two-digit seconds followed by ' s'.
1 h 19 min
